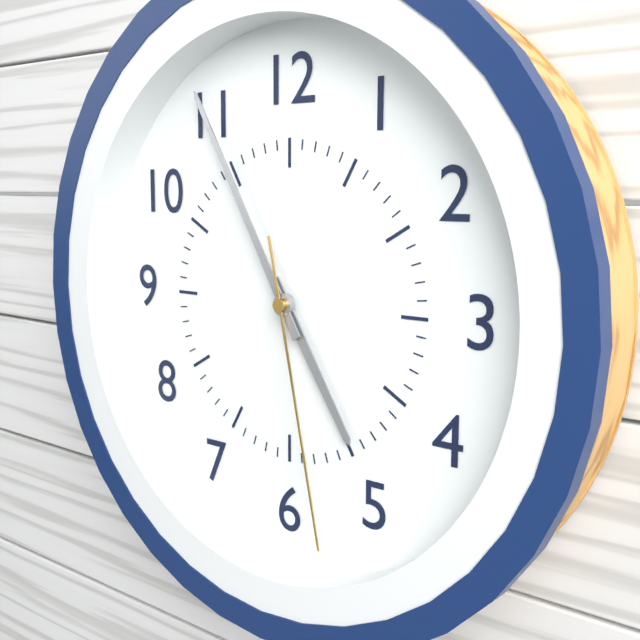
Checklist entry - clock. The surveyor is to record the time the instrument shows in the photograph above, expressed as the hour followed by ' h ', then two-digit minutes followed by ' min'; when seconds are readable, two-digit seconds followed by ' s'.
4 h 55 min 28 s
